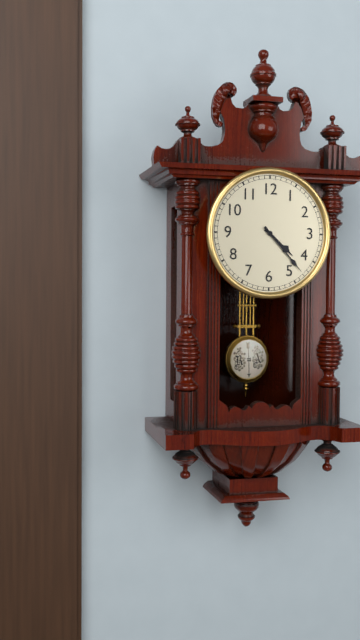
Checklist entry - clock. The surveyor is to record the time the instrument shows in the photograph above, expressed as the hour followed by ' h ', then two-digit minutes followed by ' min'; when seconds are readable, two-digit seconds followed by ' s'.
4 h 23 min
